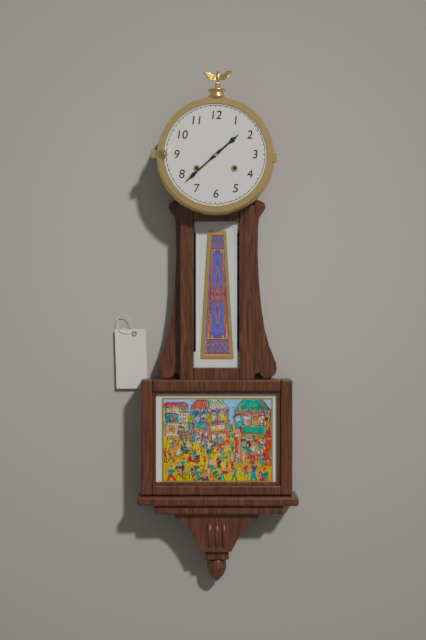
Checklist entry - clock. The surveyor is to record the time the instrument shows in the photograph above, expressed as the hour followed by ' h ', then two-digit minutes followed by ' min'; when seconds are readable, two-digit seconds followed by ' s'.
1 h 38 min
